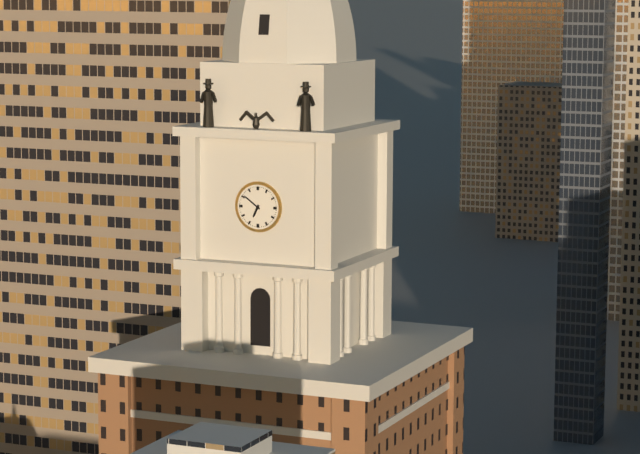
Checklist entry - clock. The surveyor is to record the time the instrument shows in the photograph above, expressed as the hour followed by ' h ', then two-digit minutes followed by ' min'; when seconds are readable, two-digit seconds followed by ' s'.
6 h 51 min
